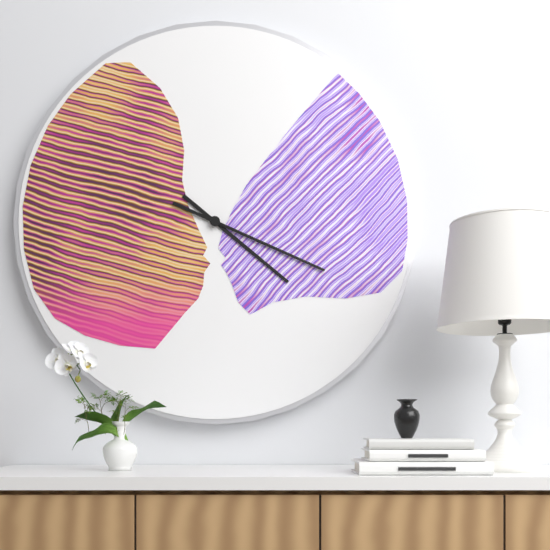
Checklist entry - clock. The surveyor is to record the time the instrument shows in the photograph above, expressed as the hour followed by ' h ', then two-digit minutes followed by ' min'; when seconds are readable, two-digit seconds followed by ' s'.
4 h 19 min
